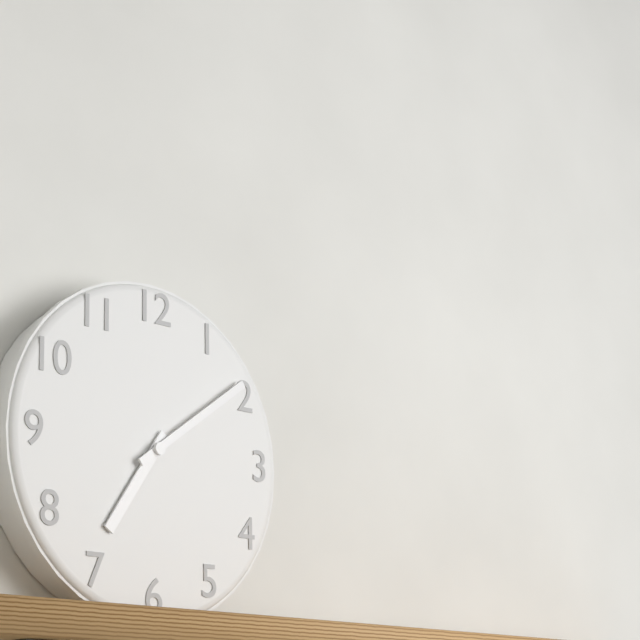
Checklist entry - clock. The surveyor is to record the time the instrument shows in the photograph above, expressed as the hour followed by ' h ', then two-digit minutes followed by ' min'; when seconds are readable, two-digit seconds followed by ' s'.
7 h 09 min
